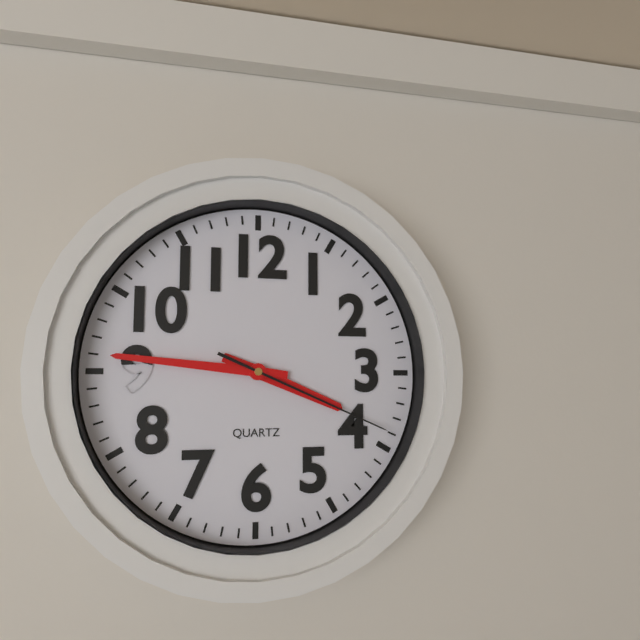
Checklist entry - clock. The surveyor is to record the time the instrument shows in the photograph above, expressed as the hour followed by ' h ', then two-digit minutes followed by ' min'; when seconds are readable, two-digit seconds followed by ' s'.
3 h 46 min 19 s
